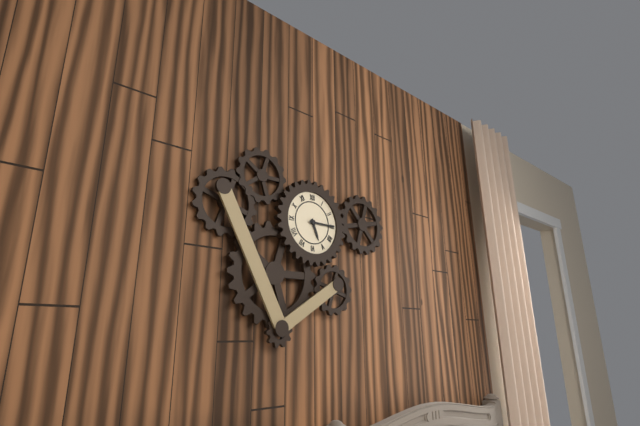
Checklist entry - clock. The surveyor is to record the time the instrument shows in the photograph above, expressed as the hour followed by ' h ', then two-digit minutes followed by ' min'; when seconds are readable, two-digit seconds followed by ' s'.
5 h 15 min
